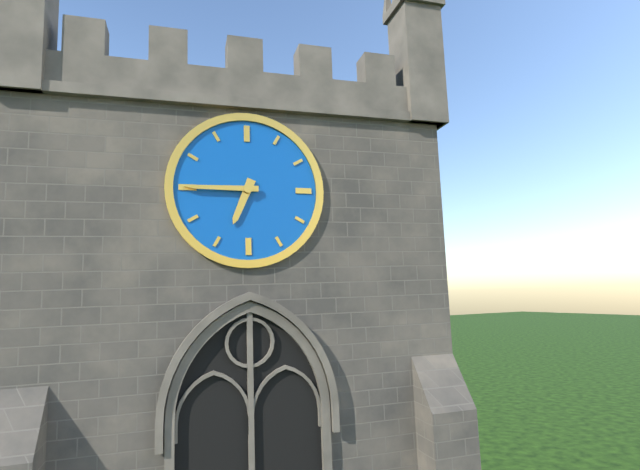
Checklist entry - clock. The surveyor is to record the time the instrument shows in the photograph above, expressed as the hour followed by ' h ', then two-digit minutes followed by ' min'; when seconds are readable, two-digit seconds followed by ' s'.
6 h 45 min
